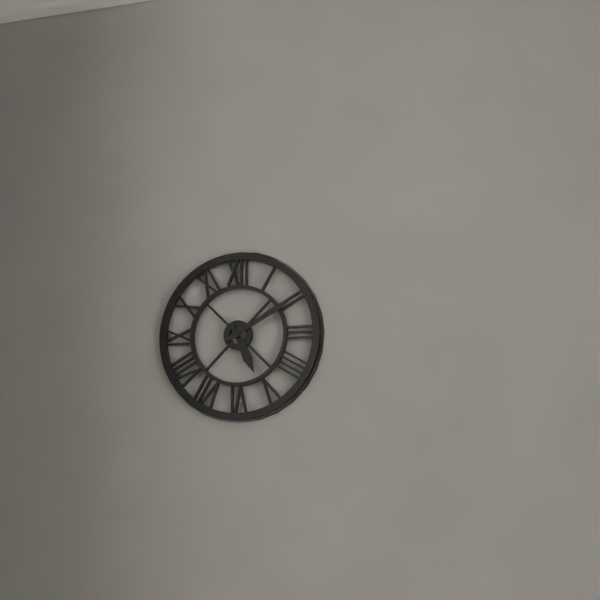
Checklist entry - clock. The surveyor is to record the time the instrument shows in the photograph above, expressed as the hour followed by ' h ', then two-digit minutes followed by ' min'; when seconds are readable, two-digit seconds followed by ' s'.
5 h 10 min
